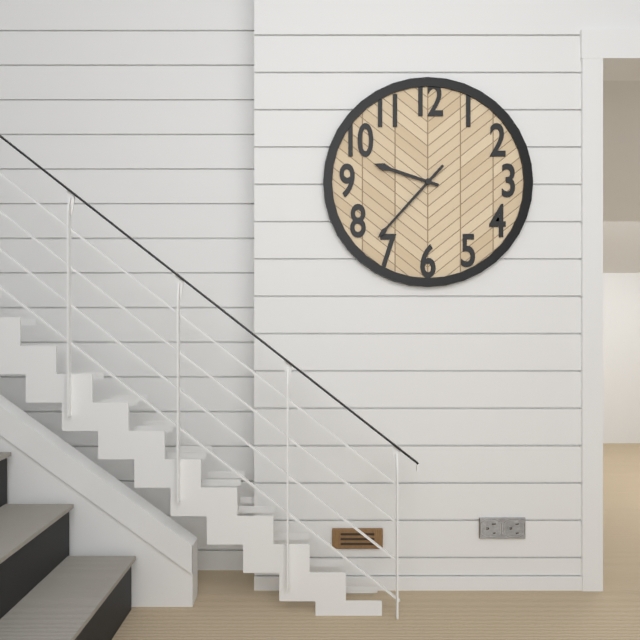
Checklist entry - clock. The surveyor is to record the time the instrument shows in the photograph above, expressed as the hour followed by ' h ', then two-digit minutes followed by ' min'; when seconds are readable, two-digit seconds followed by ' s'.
9 h 37 min
